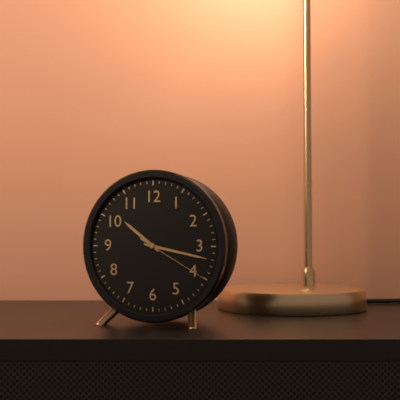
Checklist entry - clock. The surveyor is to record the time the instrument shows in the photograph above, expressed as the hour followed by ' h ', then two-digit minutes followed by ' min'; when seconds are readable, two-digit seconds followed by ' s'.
10 h 17 min 20 s
